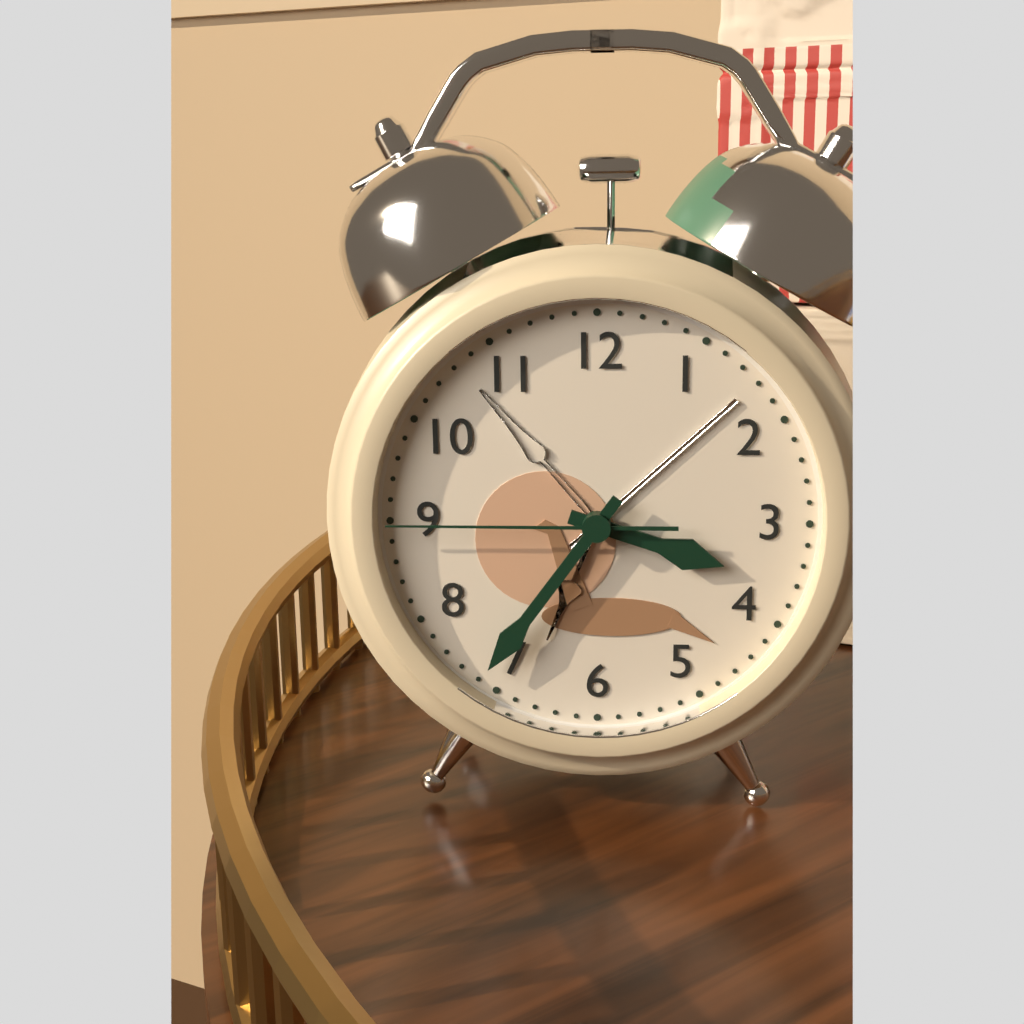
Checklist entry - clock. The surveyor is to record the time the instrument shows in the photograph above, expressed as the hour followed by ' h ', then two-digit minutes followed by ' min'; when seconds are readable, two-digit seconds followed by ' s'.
3 h 36 min 45 s
